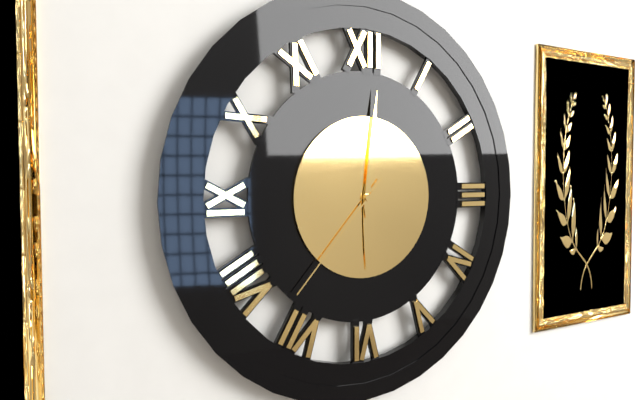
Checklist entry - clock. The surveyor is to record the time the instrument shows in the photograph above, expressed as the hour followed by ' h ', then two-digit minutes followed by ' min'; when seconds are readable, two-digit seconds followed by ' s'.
6 h 01 min 37 s
